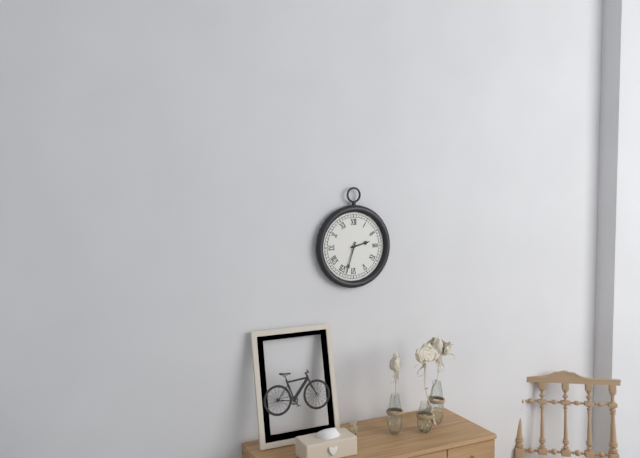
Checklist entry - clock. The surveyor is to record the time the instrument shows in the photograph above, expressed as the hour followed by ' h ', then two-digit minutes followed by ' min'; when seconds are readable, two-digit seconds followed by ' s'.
2 h 33 min
